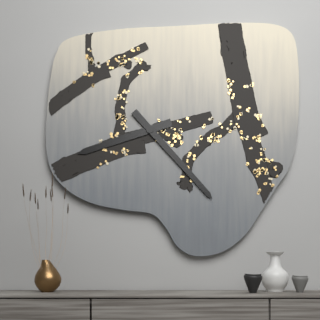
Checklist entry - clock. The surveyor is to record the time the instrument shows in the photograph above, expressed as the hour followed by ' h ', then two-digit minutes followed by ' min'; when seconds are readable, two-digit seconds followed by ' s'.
8 h 23 min
